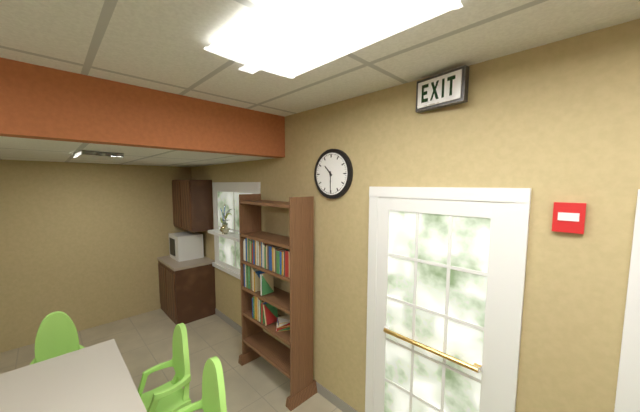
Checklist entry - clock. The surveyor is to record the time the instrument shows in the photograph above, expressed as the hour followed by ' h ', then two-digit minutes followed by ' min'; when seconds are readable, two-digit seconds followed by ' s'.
10 h 30 min
